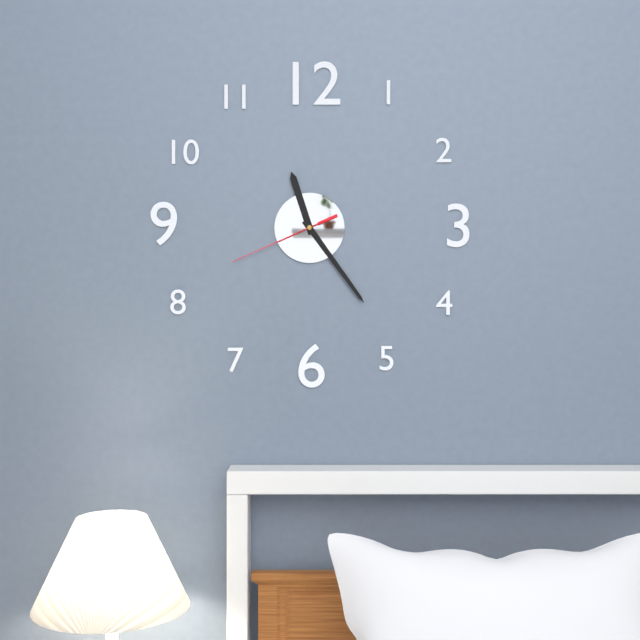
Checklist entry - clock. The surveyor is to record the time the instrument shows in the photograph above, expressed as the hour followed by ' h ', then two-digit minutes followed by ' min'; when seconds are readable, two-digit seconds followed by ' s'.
11 h 24 min 41 s
